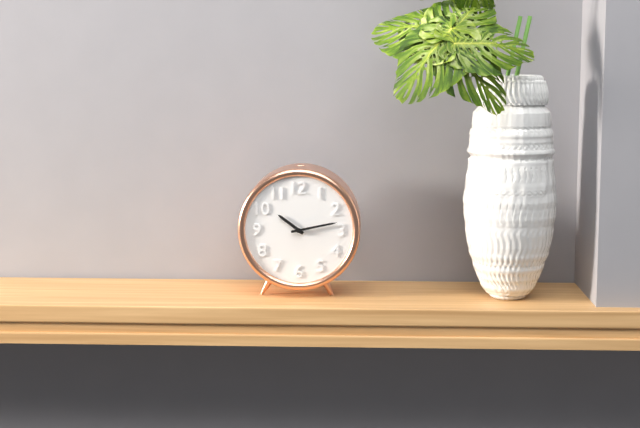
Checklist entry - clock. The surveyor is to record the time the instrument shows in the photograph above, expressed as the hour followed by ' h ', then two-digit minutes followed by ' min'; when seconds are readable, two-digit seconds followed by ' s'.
10 h 13 min
